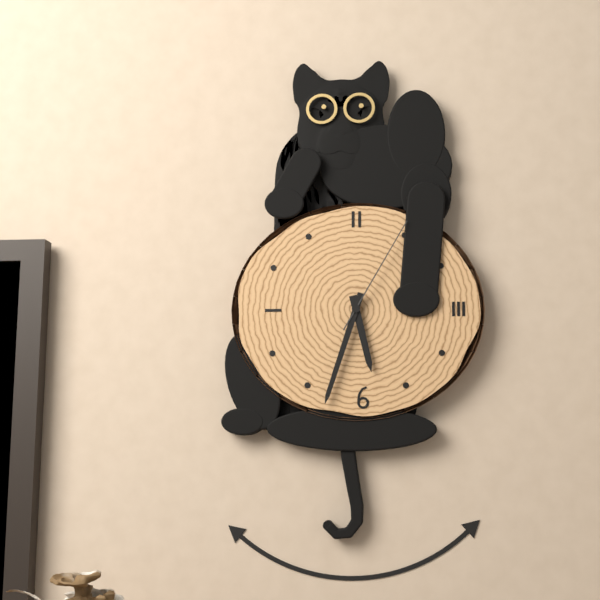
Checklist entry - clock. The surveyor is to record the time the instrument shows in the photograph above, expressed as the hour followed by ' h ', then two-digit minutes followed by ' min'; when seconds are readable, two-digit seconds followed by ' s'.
5 h 33 min 05 s
